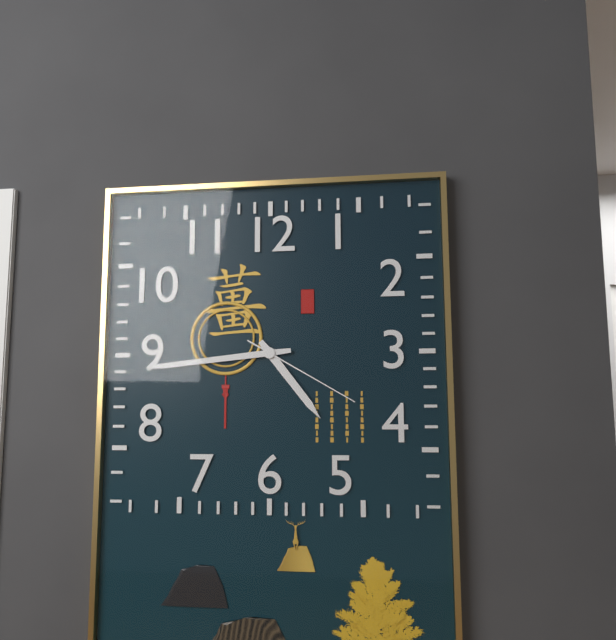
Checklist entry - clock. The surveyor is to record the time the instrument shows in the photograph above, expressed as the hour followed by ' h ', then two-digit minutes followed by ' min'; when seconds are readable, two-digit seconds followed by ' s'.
4 h 44 min 20 s
